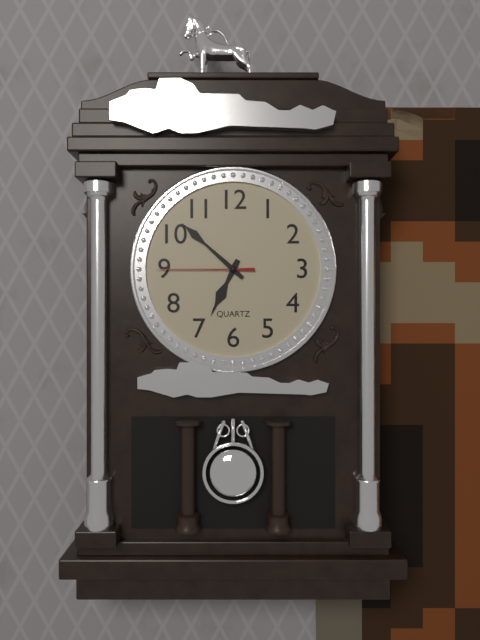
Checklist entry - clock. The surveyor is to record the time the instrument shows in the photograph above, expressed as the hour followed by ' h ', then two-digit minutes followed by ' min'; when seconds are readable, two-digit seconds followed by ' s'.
6 h 52 min 45 s
